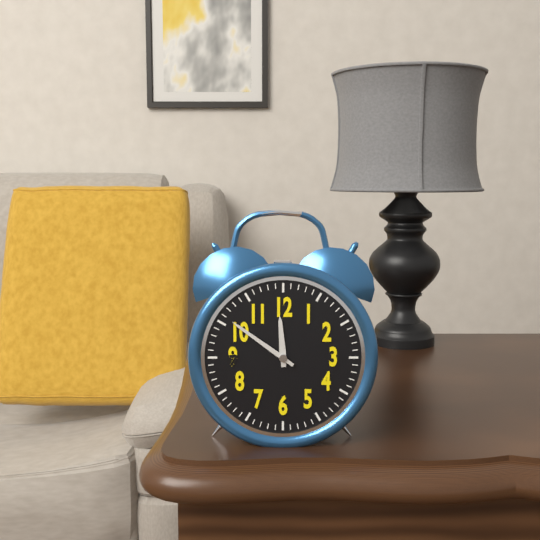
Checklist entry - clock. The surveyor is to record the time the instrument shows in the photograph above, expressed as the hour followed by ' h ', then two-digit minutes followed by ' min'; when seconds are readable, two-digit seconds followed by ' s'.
11 h 51 min
